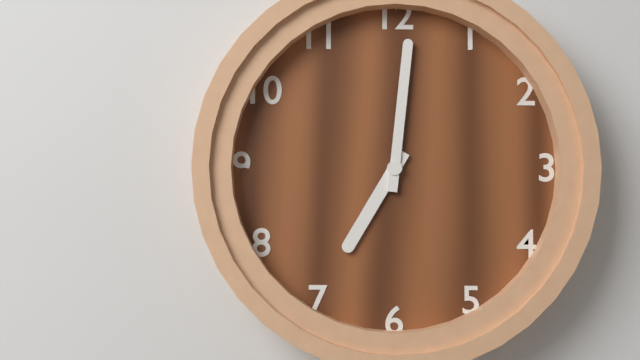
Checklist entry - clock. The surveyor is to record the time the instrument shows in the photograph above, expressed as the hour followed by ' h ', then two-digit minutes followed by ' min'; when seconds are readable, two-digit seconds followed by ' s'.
7 h 01 min
